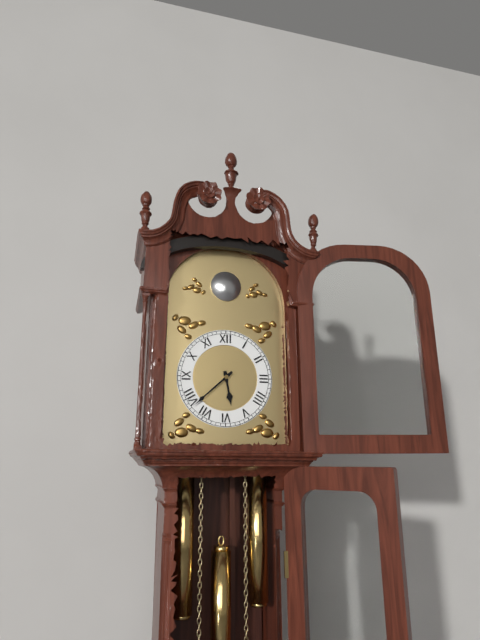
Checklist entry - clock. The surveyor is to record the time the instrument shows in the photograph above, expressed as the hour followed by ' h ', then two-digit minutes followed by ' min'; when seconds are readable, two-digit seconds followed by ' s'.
5 h 38 min
